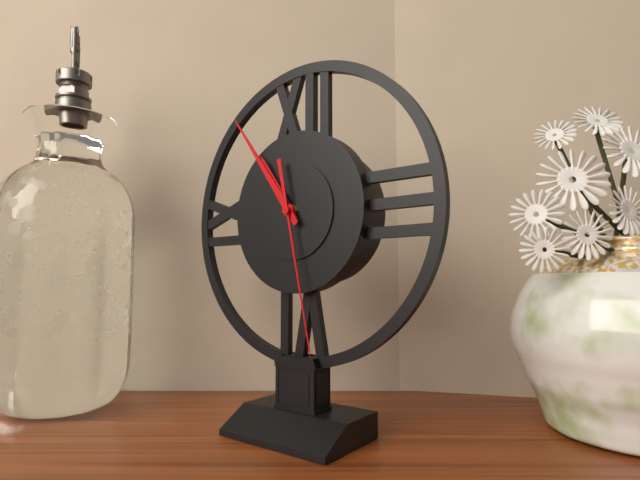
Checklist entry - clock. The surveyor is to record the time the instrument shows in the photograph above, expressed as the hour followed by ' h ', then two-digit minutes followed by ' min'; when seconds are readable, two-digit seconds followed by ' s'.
10 h 54 min 28 s
